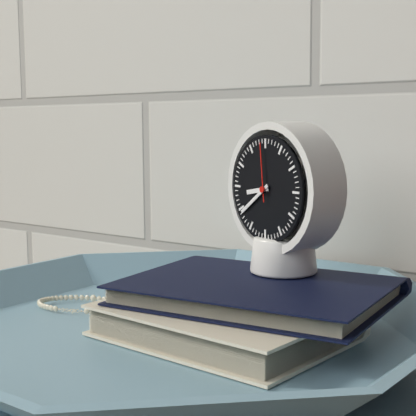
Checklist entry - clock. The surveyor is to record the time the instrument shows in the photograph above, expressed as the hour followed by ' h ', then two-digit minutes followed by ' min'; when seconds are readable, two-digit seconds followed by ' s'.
8 h 39 min 59 s
